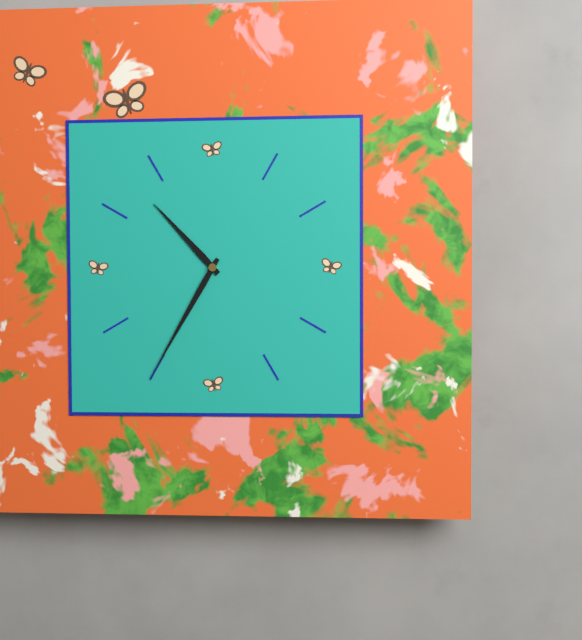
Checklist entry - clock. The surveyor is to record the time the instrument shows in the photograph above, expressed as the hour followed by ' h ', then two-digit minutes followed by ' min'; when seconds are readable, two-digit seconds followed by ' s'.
10 h 35 min
